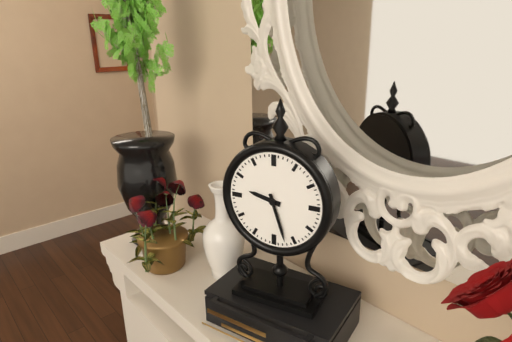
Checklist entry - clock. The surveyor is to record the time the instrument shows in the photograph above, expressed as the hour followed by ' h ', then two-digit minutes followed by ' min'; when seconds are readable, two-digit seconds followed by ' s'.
9 h 27 min
